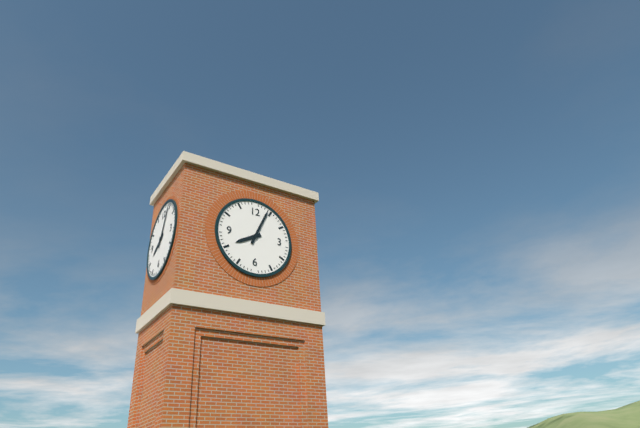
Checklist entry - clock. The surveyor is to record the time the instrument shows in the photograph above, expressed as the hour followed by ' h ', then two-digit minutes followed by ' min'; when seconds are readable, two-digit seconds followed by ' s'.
8 h 04 min
